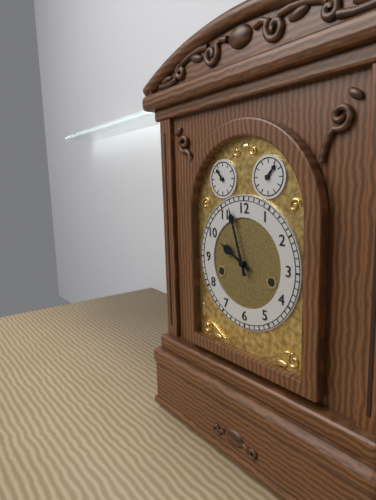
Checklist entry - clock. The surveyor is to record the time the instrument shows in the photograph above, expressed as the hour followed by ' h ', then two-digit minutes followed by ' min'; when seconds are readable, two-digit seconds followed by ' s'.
9 h 57 min
